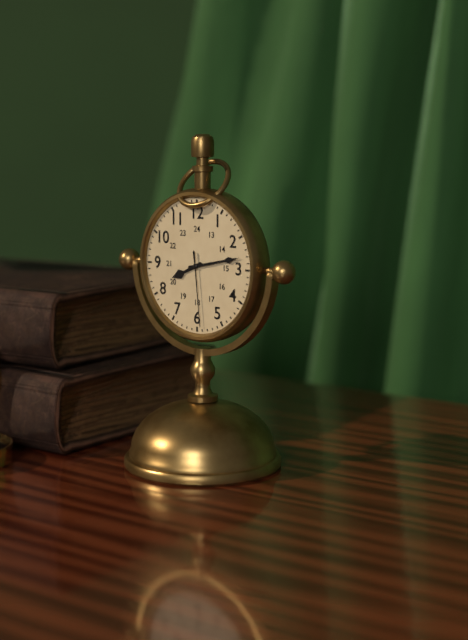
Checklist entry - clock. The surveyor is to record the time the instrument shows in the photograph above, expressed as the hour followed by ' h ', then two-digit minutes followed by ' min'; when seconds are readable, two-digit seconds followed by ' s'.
8 h 13 min 29 s
